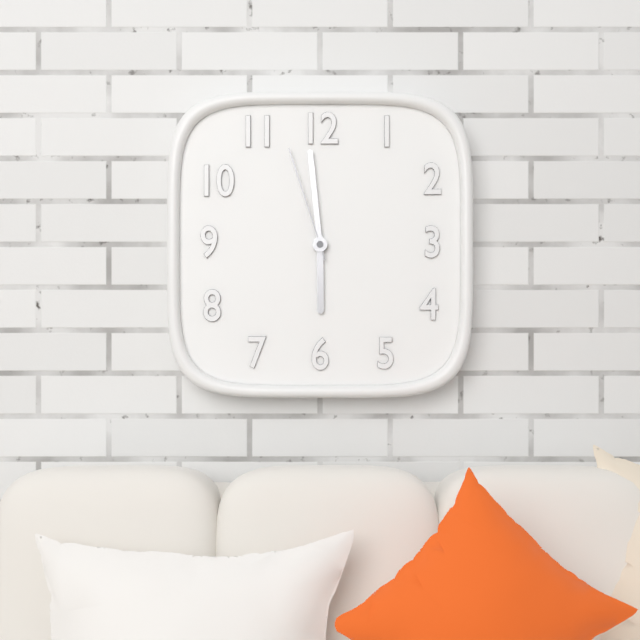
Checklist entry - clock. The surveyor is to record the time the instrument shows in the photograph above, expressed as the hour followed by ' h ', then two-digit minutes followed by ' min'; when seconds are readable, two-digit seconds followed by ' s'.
5 h 59 min 57 s
